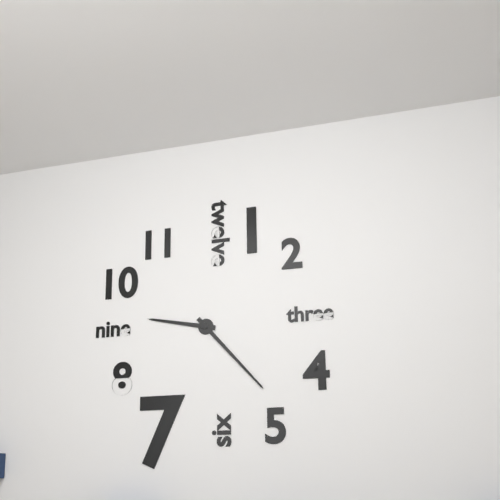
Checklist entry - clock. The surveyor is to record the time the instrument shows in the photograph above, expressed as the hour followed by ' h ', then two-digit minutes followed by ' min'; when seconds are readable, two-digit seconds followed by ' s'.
9 h 23 min
